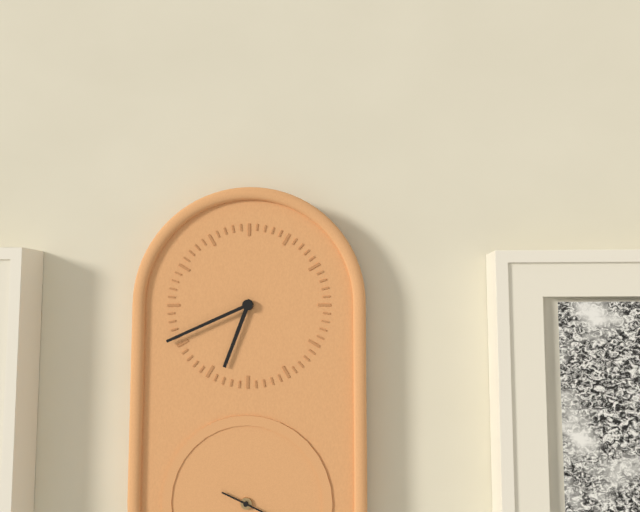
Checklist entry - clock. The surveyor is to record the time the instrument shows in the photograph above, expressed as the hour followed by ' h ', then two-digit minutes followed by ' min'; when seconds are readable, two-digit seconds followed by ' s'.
6 h 41 min
